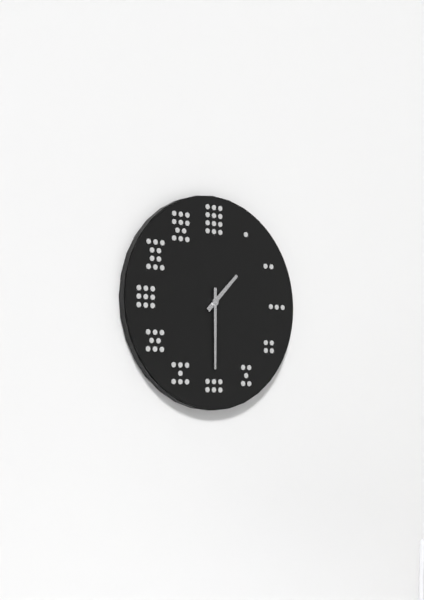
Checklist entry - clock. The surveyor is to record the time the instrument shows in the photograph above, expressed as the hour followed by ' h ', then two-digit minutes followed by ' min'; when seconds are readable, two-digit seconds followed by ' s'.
1 h 30 min
